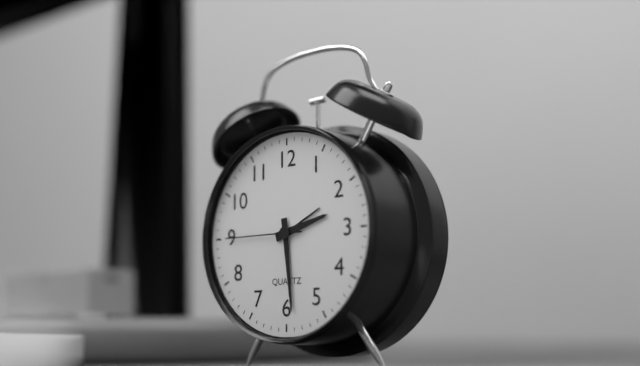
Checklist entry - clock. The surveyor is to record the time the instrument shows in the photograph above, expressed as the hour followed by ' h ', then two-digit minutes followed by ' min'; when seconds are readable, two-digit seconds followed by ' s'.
2 h 29 min 45 s
